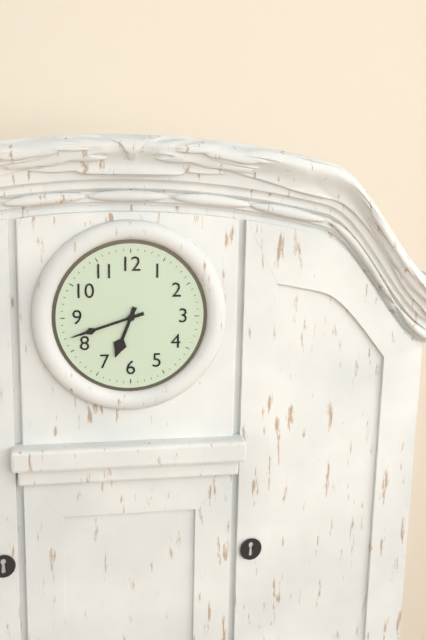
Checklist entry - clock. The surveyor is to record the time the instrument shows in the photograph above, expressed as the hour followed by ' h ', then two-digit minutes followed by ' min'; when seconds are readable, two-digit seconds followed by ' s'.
6 h 42 min
